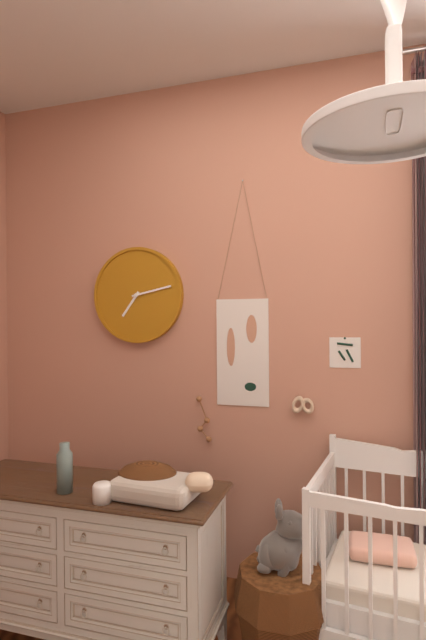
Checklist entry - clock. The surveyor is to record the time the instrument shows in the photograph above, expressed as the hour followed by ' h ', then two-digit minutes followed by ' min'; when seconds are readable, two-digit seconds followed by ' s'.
7 h 13 min
